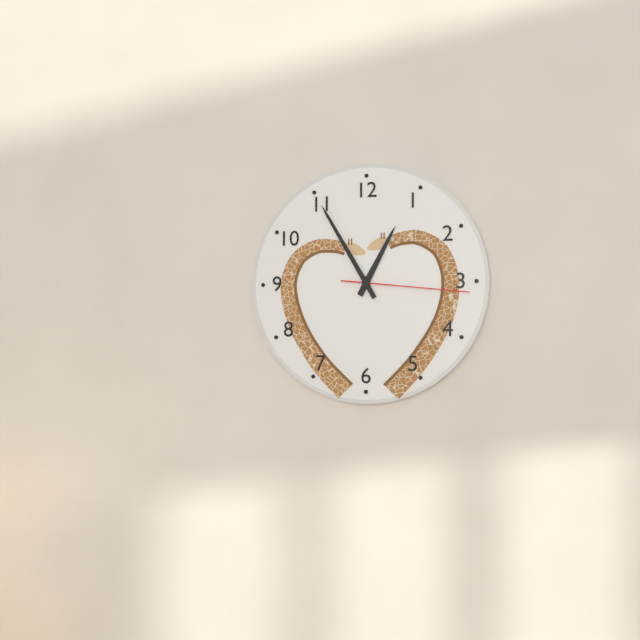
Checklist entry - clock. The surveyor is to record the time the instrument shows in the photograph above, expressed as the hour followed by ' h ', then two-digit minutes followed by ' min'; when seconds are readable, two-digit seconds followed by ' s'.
12 h 55 min 16 s
